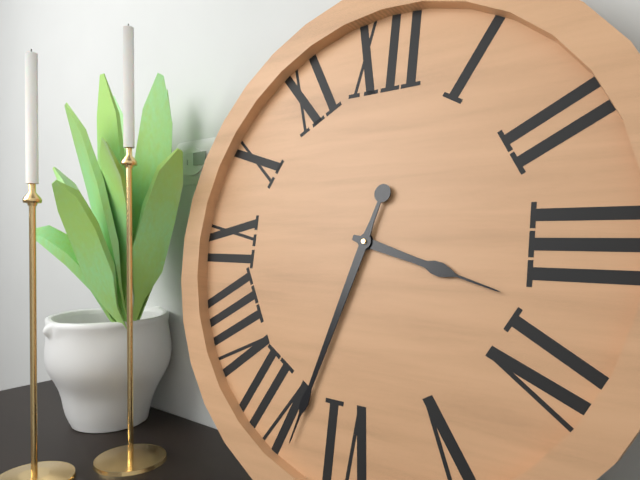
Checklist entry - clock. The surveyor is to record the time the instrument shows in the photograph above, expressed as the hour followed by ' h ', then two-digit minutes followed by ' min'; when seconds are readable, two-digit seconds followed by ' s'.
3 h 33 min
